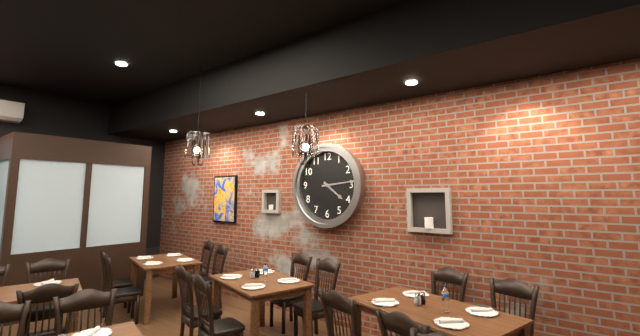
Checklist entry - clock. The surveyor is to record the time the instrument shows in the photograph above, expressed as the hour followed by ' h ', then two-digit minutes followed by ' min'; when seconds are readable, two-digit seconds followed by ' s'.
4 h 14 min
